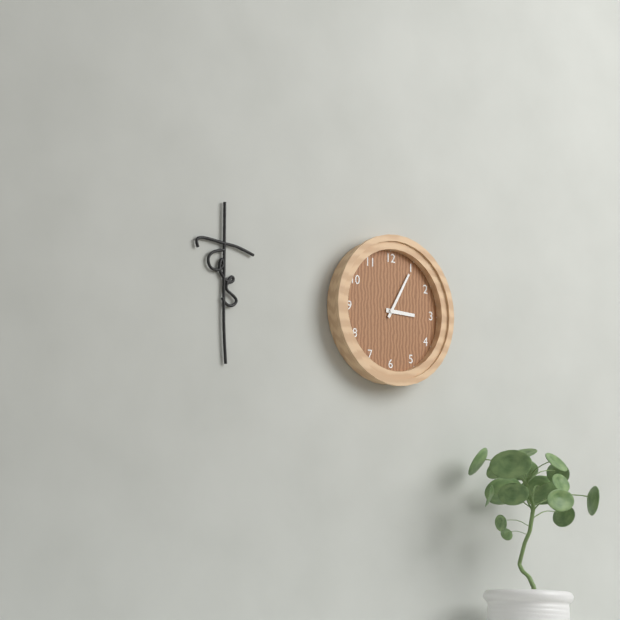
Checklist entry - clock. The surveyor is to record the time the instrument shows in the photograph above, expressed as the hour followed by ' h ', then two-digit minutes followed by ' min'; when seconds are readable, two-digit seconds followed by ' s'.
3 h 05 min
